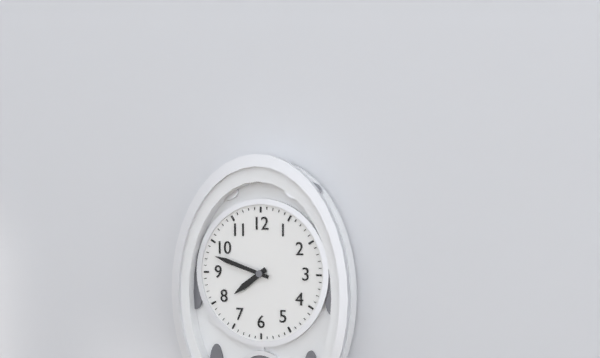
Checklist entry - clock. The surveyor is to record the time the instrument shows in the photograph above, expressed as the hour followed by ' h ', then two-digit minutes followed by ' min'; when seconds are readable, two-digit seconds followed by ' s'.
7 h 48 min
